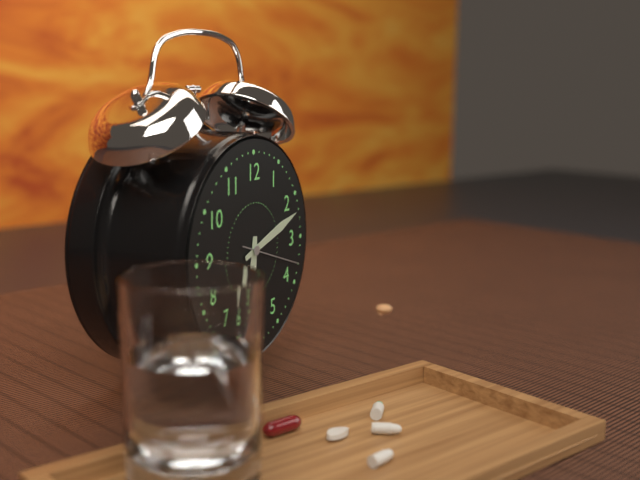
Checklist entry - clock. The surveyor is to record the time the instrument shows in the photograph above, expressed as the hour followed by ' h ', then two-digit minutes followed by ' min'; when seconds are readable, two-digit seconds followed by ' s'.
6 h 12 min 18 s
